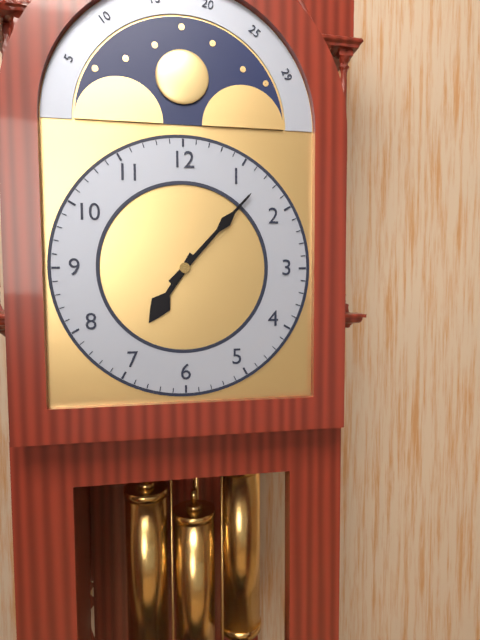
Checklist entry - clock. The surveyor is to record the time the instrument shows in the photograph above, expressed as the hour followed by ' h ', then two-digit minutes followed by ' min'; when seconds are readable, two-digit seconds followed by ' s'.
7 h 07 min
